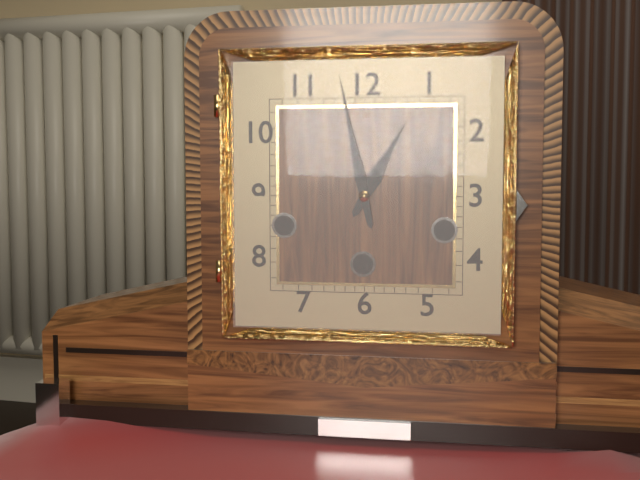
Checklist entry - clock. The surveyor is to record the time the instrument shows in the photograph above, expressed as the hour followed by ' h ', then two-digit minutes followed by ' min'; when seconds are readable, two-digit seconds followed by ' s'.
12 h 58 min
